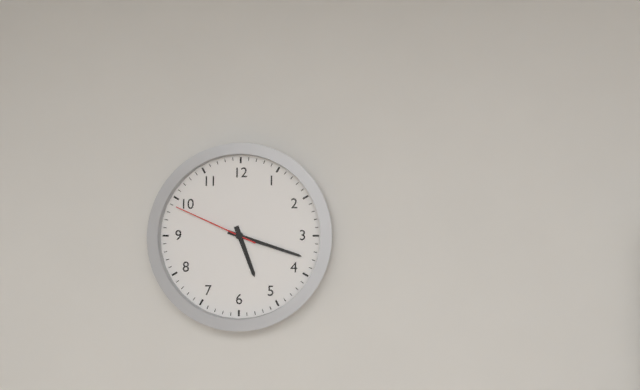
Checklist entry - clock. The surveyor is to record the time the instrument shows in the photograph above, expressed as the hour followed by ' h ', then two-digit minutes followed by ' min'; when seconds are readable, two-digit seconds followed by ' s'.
5 h 18 min 49 s
